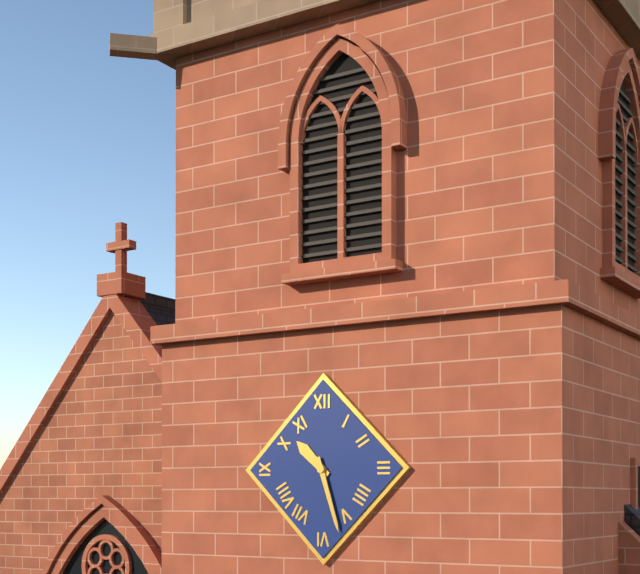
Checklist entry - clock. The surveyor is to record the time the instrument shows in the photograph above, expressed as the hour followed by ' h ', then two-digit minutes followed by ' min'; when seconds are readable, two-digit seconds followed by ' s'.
10 h 27 min
